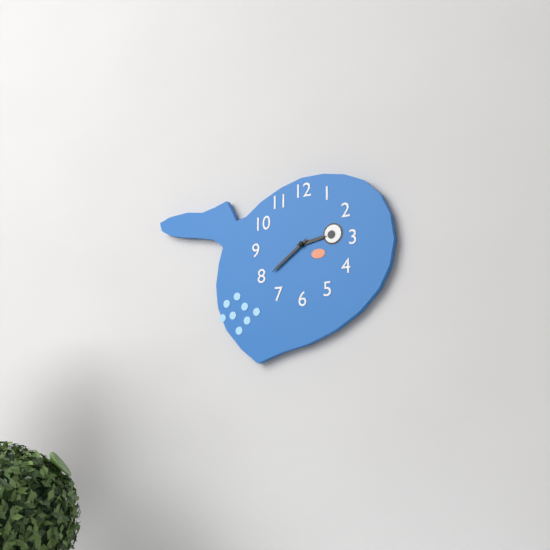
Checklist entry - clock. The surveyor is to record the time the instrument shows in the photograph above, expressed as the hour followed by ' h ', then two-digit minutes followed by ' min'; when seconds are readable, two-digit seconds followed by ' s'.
2 h 39 min
